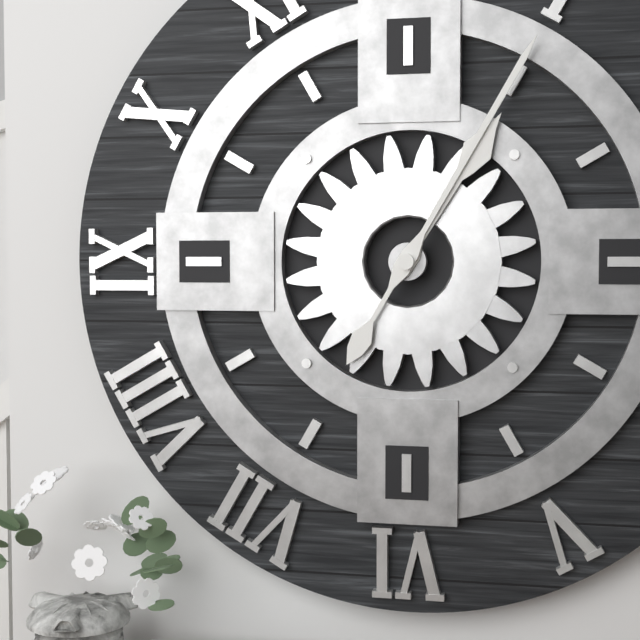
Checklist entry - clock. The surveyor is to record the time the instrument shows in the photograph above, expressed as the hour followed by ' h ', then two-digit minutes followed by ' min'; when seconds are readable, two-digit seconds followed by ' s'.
1 h 05 min
